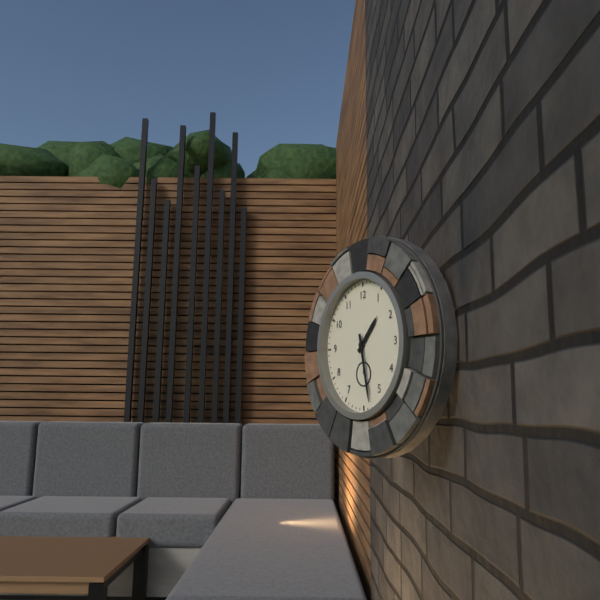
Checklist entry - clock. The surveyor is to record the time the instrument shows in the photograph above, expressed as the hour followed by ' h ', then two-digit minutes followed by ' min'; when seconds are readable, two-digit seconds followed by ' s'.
1 h 28 min
